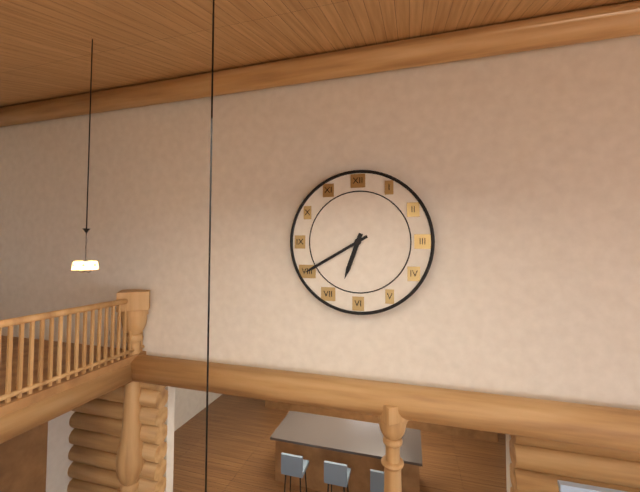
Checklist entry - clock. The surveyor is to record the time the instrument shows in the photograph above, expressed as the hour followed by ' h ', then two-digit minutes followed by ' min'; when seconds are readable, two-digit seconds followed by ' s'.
6 h 40 min
